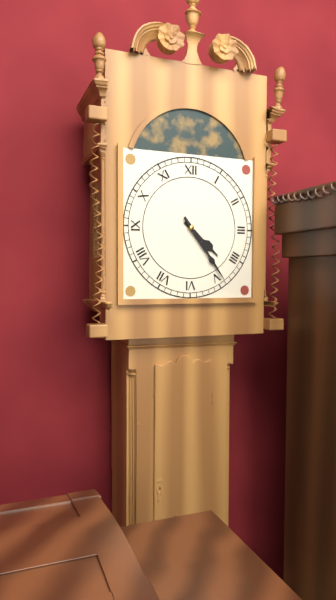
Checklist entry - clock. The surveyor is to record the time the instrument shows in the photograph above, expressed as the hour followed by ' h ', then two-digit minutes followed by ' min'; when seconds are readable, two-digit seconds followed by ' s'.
4 h 24 min
